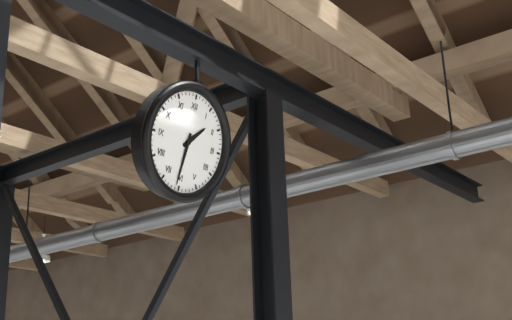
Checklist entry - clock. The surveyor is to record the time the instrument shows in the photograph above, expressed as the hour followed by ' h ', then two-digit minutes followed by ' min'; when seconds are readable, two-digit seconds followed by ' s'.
1 h 31 min
